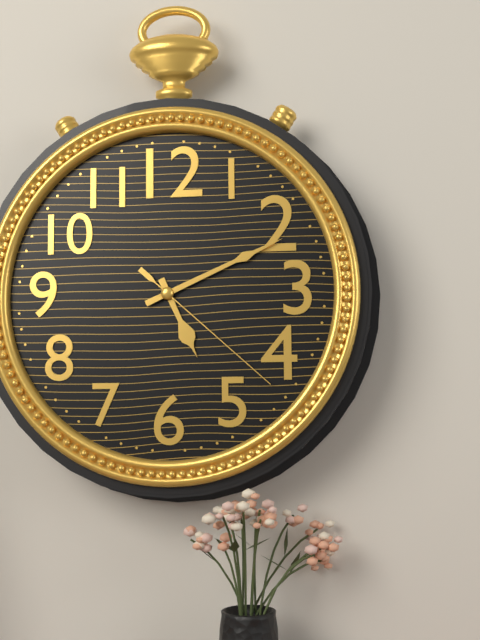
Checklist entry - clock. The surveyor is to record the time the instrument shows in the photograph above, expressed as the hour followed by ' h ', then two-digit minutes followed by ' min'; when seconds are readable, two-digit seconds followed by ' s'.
5 h 11 min 22 s
